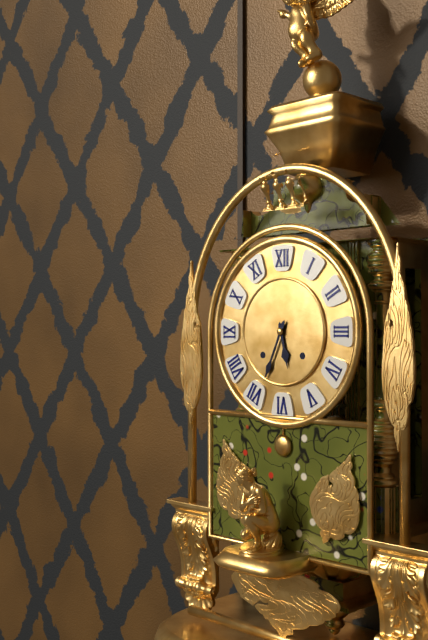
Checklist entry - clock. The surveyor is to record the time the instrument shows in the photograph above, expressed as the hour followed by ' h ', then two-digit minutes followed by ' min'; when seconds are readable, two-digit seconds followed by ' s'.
5 h 34 min
